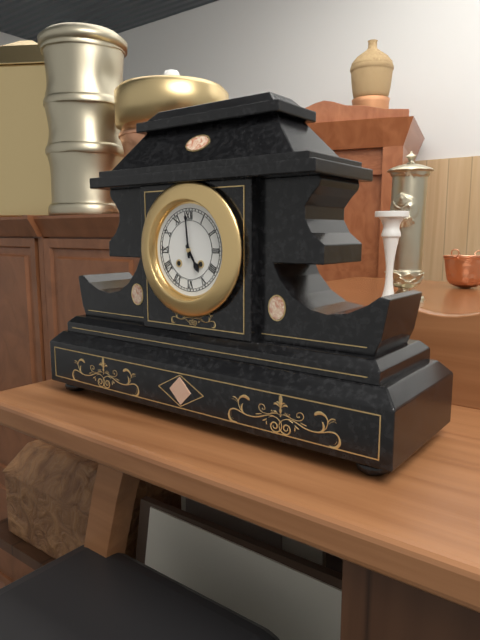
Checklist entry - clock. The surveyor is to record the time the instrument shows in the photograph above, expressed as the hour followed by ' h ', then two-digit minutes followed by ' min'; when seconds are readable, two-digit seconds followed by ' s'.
4 h 59 min
